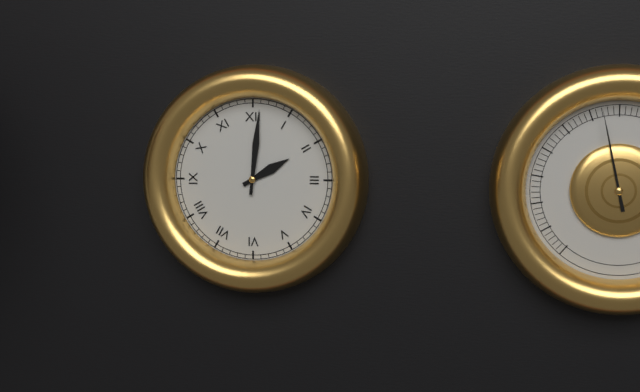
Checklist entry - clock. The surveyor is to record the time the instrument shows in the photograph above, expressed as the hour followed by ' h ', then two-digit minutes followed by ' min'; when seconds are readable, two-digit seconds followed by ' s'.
2 h 01 min
